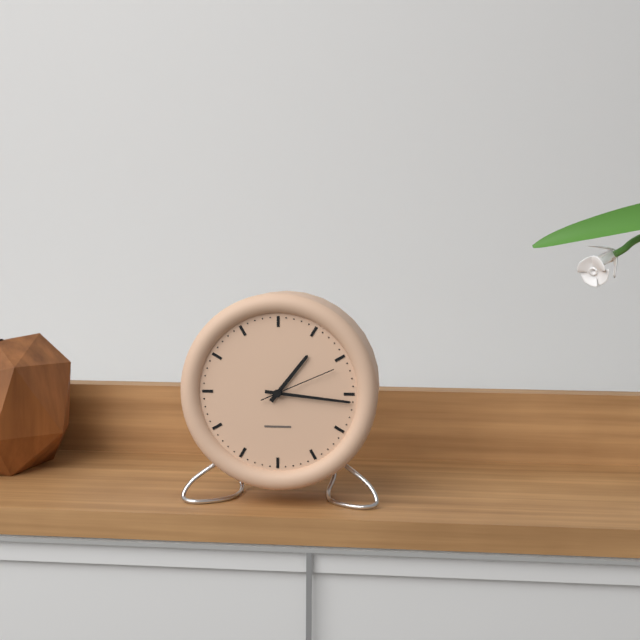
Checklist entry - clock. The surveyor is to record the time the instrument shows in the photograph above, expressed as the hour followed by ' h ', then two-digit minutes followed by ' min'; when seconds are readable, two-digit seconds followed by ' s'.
1 h 16 min 11 s
